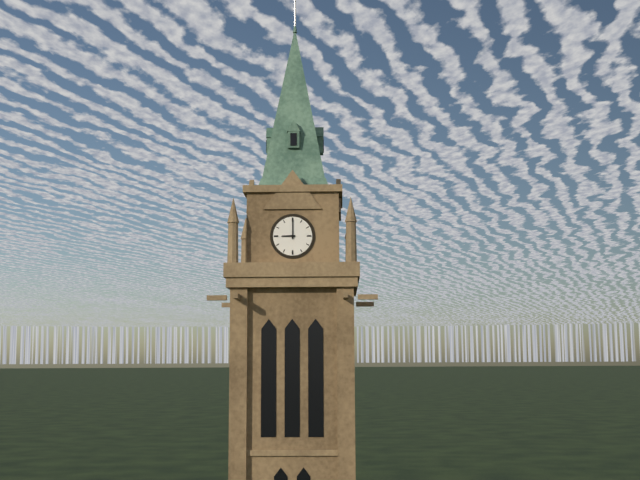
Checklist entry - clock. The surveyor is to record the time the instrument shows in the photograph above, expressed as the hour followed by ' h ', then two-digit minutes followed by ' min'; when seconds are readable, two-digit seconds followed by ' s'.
9 h 00 min
